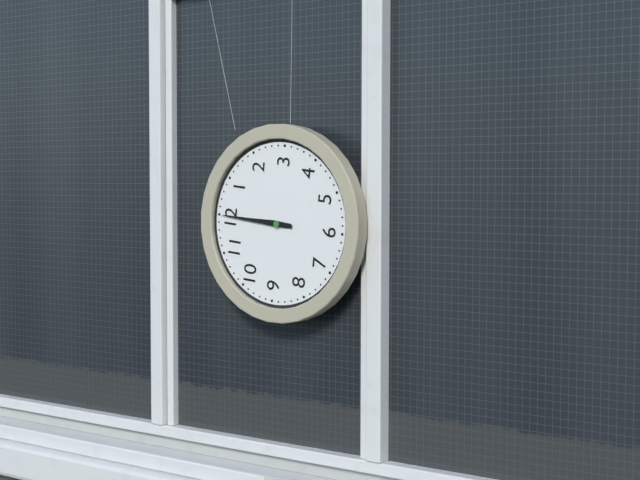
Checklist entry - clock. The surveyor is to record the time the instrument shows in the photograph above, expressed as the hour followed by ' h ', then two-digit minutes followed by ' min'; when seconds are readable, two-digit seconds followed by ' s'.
12 h 00 min
